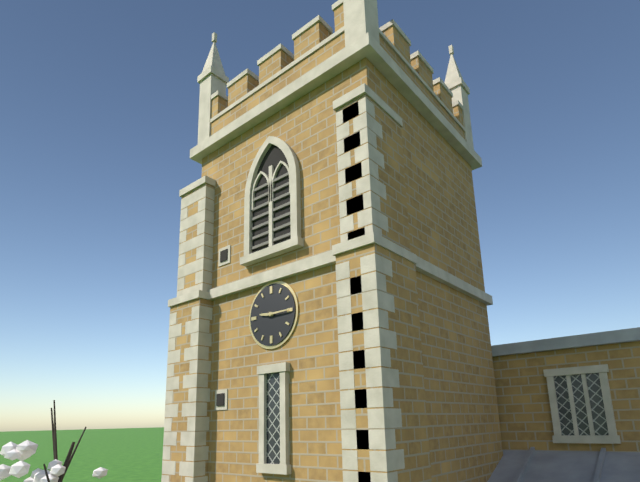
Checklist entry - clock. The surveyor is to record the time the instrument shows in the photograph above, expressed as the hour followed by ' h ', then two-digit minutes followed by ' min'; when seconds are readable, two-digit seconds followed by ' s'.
9 h 15 min
